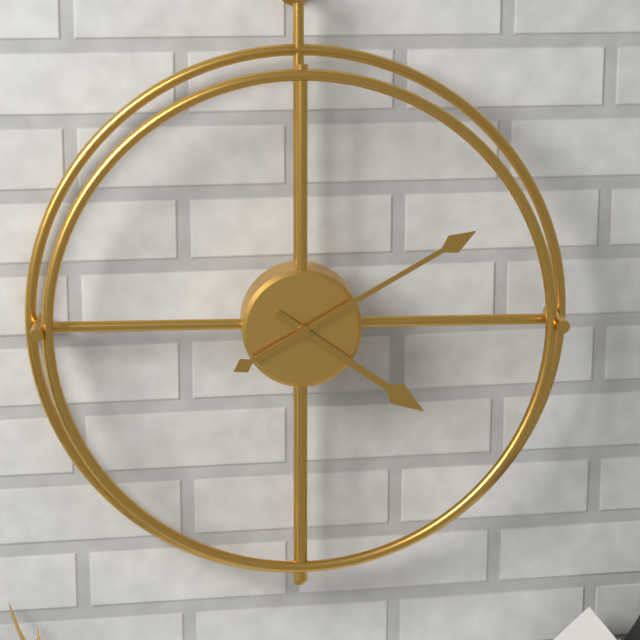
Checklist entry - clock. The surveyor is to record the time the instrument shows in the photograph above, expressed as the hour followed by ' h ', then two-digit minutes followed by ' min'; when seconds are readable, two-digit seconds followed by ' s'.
4 h 10 min
